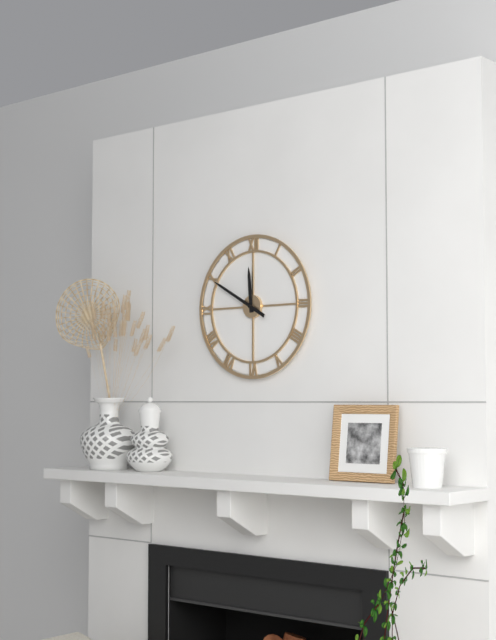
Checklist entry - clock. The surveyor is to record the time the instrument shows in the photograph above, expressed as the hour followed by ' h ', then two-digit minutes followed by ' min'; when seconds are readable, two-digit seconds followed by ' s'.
11 h 50 min
